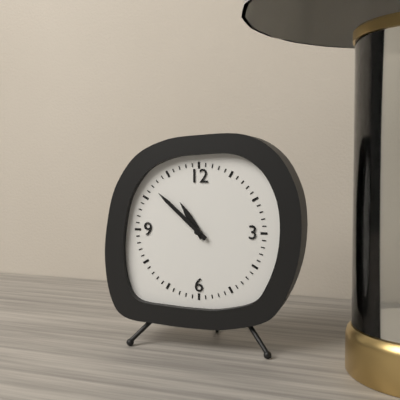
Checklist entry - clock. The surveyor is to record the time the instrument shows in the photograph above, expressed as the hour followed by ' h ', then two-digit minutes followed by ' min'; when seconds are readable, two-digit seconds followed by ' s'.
10 h 52 min
